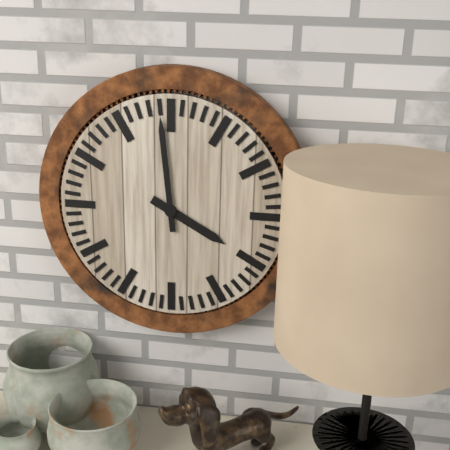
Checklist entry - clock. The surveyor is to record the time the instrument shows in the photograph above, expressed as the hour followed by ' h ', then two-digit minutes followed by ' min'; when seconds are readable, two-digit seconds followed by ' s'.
3 h 59 min
